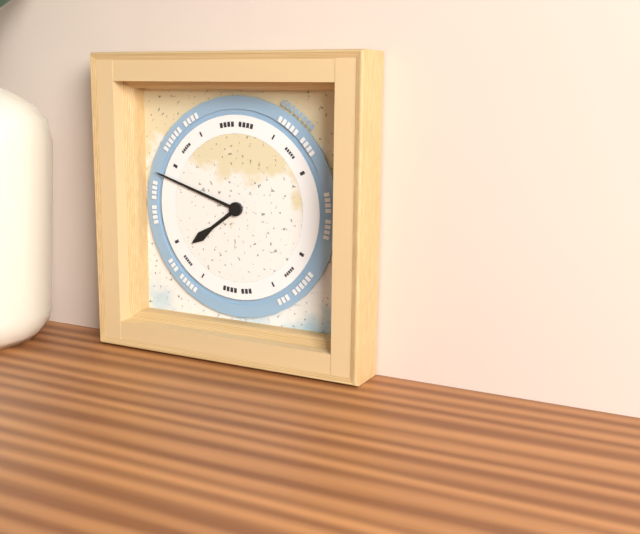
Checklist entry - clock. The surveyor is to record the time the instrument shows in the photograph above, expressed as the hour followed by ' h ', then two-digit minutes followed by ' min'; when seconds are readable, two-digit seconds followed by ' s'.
7 h 48 min
